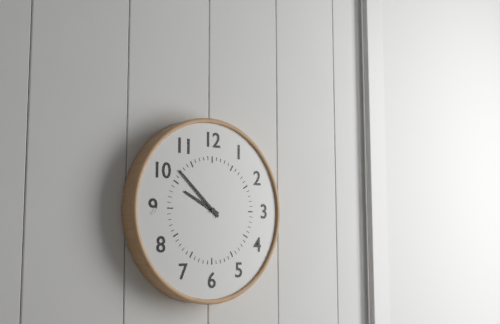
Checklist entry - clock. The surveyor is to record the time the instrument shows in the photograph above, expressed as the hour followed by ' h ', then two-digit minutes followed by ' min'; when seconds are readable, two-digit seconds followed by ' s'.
9 h 52 min
